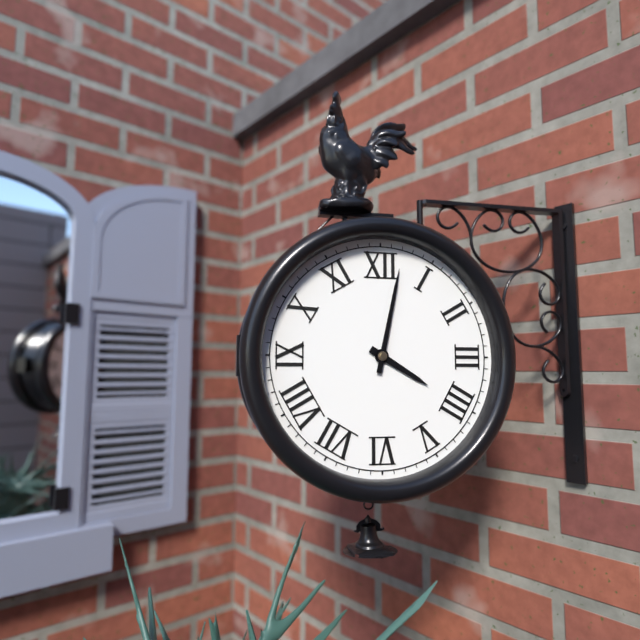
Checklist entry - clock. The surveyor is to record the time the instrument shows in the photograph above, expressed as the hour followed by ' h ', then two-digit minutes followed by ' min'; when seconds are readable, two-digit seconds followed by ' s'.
4 h 02 min
